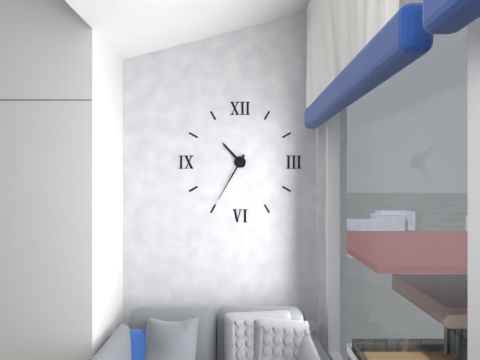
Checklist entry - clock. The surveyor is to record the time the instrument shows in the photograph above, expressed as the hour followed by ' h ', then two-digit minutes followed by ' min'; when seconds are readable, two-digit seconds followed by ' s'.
10 h 35 min
